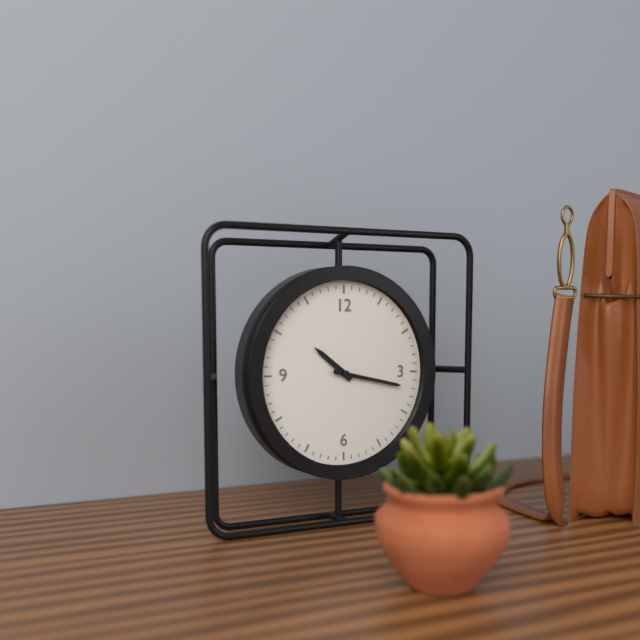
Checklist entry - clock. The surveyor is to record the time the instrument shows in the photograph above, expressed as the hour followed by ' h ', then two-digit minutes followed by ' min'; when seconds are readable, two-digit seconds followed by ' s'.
10 h 17 min
